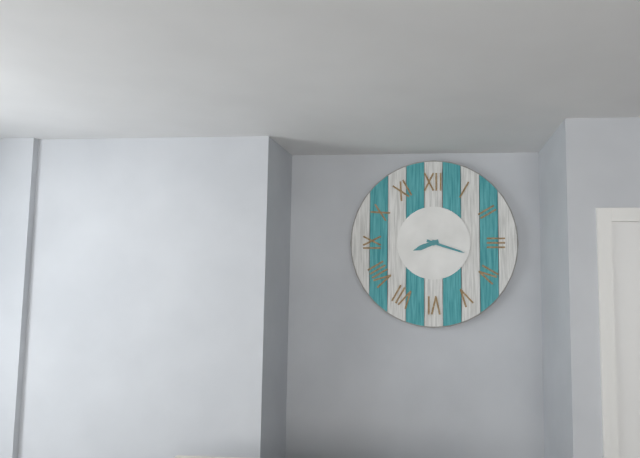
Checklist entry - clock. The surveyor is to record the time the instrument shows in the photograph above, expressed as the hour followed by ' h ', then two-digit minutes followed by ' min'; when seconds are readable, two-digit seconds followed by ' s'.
8 h 18 min
